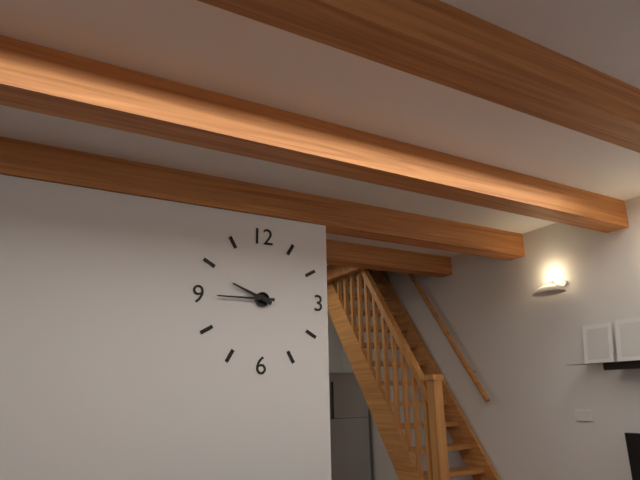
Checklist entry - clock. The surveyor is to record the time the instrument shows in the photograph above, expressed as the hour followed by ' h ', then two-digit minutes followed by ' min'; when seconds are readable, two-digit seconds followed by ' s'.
9 h 45 min
